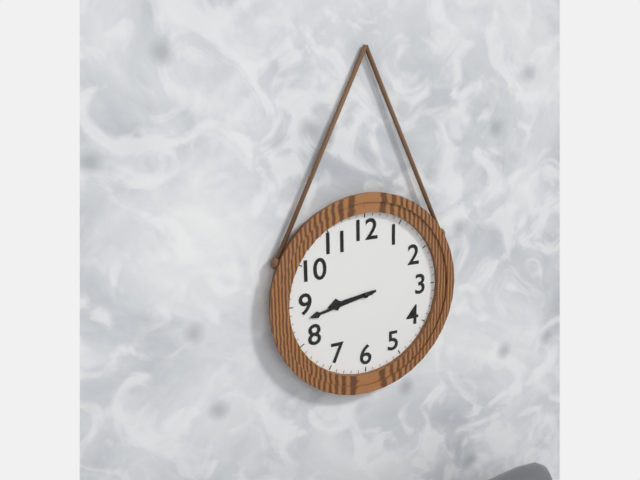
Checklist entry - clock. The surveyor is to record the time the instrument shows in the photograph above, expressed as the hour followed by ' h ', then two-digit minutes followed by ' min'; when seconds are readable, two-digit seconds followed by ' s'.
8 h 43 min
